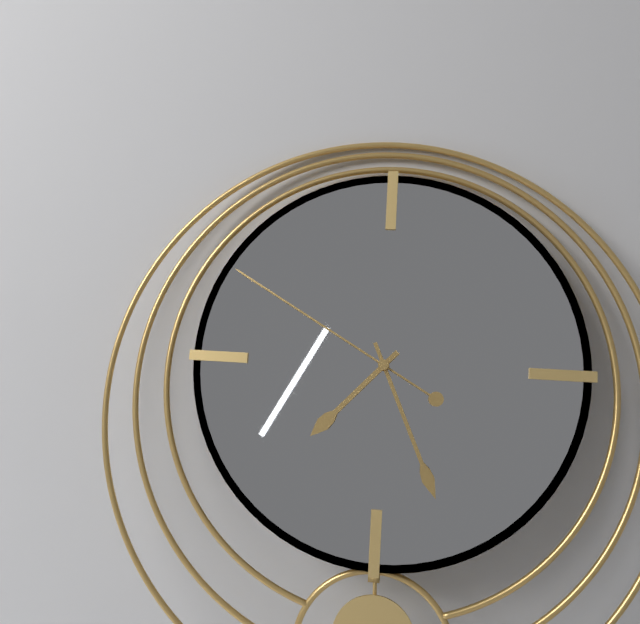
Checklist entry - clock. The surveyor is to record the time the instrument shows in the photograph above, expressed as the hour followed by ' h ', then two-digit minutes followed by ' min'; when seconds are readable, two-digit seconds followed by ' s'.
7 h 26 min 50 s
